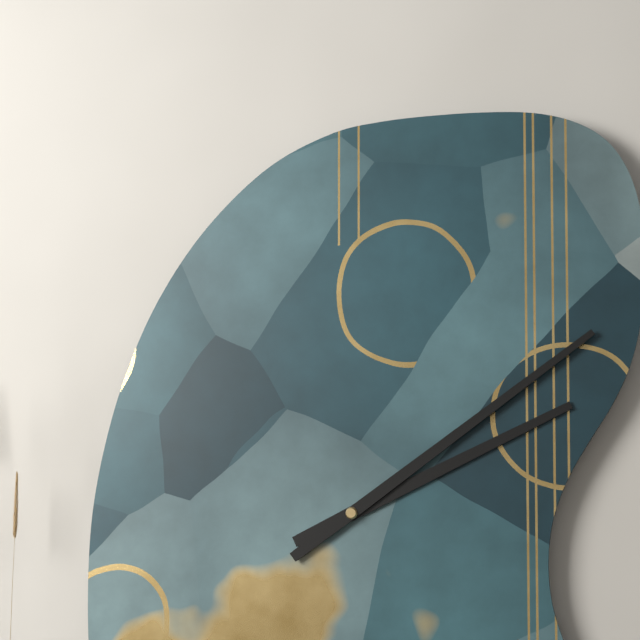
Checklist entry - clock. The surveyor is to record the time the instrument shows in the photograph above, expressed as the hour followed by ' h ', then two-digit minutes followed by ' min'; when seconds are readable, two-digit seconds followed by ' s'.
2 h 09 min
